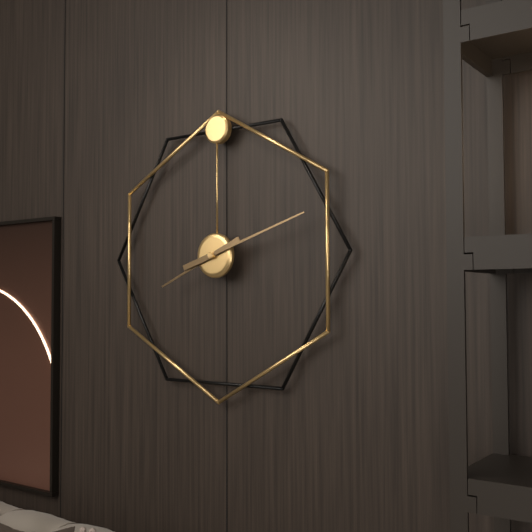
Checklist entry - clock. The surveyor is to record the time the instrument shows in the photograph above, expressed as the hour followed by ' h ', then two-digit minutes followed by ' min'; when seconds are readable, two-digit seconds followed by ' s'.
8 h 12 min
